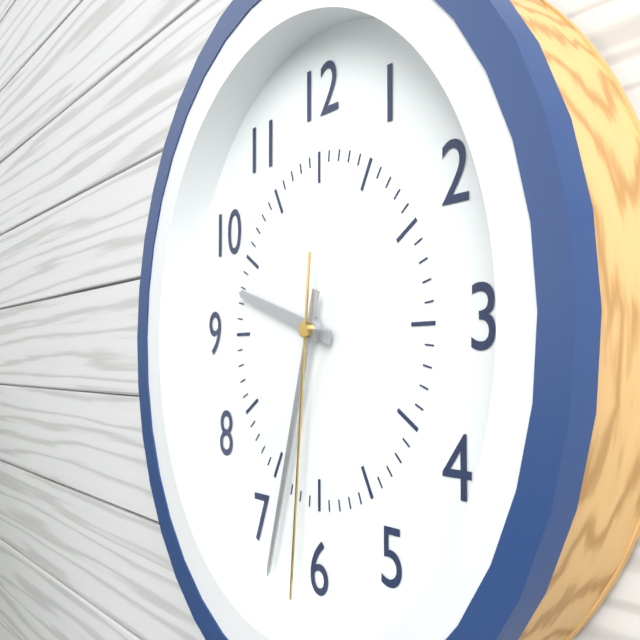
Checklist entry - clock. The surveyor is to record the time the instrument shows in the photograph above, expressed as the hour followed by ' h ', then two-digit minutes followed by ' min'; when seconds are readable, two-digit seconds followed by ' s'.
9 h 33 min 31 s
